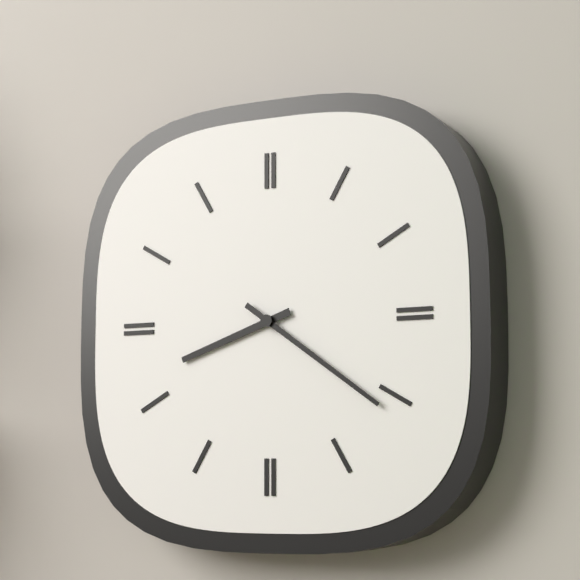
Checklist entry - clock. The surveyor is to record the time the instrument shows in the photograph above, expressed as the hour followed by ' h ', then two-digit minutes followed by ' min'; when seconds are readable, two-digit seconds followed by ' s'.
8 h 21 min
